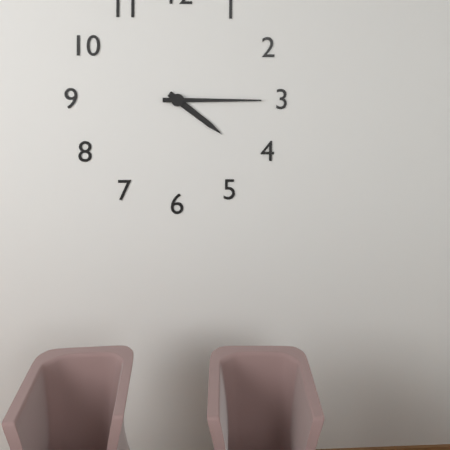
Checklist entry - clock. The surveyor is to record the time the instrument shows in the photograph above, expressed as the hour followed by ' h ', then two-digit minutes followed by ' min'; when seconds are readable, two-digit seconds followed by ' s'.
4 h 15 min
